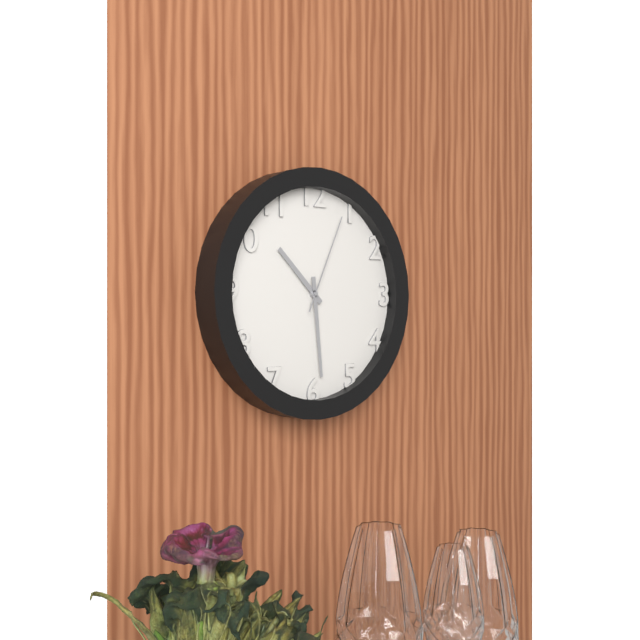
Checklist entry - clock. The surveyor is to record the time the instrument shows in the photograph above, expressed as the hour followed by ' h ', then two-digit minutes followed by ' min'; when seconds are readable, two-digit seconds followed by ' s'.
10 h 29 min 04 s
